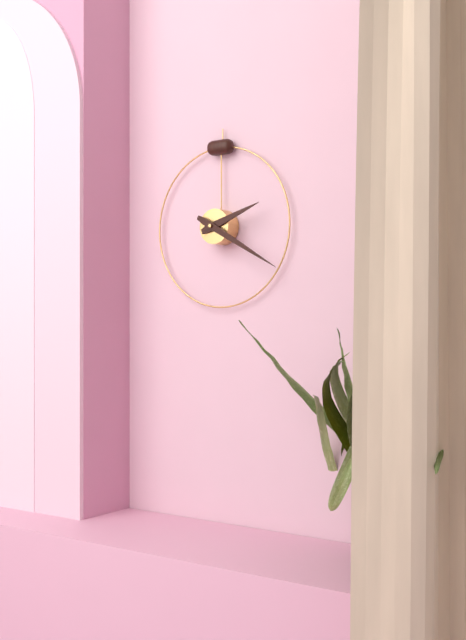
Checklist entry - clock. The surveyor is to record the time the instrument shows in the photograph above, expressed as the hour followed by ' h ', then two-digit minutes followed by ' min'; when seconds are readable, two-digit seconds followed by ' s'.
2 h 20 min
